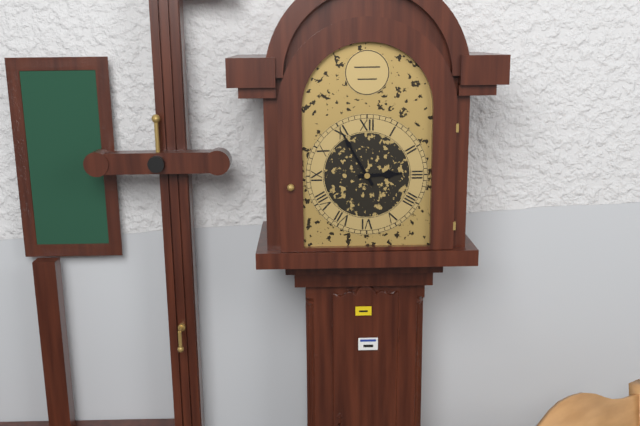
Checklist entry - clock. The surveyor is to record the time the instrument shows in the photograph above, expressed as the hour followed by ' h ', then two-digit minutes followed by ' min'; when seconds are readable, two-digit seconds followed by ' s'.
2 h 55 min
